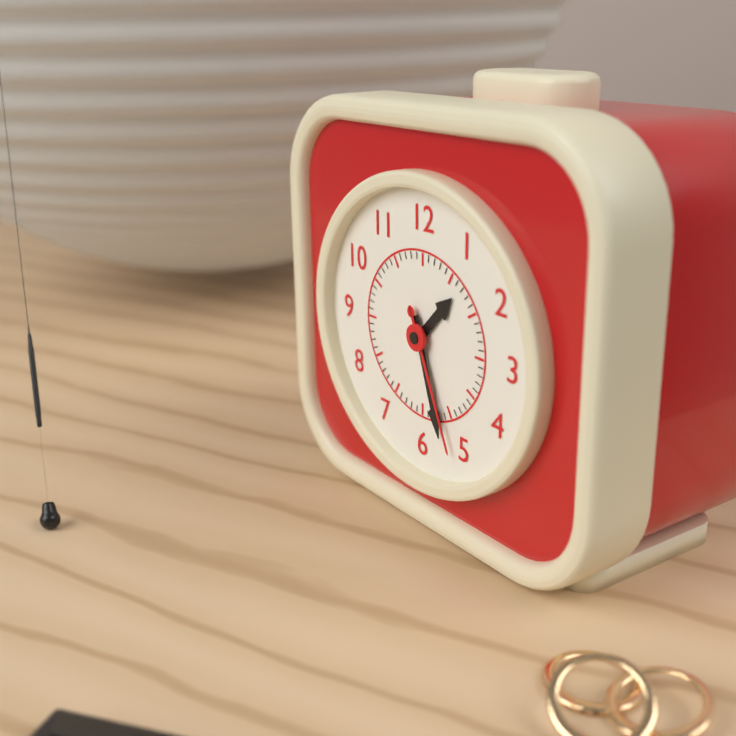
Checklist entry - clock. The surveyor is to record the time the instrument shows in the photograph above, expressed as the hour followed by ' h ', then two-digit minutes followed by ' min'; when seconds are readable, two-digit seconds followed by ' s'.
1 h 27 min 26 s
